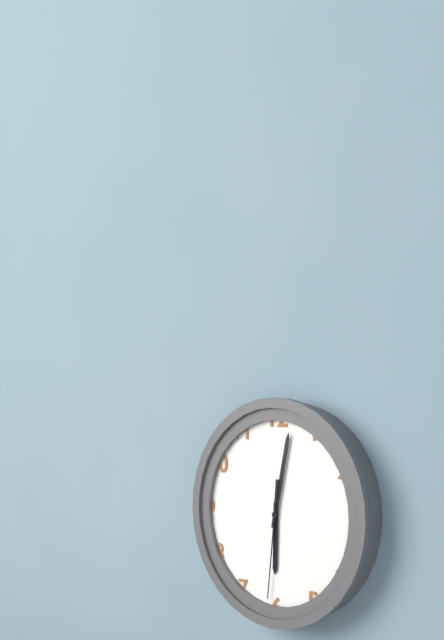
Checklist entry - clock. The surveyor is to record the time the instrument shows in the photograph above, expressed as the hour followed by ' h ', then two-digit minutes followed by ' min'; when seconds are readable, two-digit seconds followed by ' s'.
6 h 02 min 31 s
